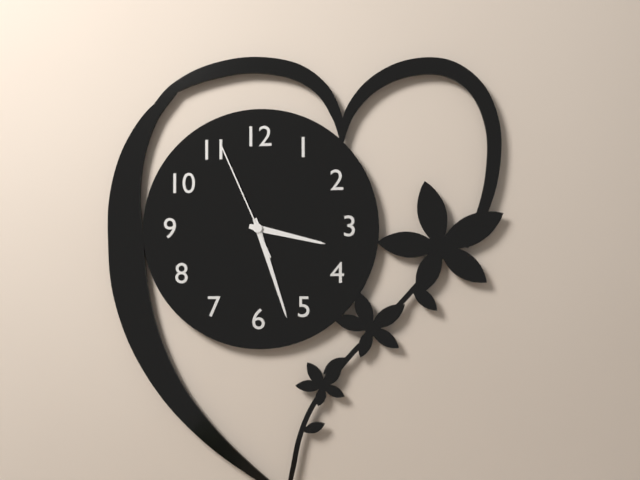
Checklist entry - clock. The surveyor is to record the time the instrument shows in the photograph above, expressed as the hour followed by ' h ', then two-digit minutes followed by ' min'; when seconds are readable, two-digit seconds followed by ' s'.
3 h 27 min 56 s
